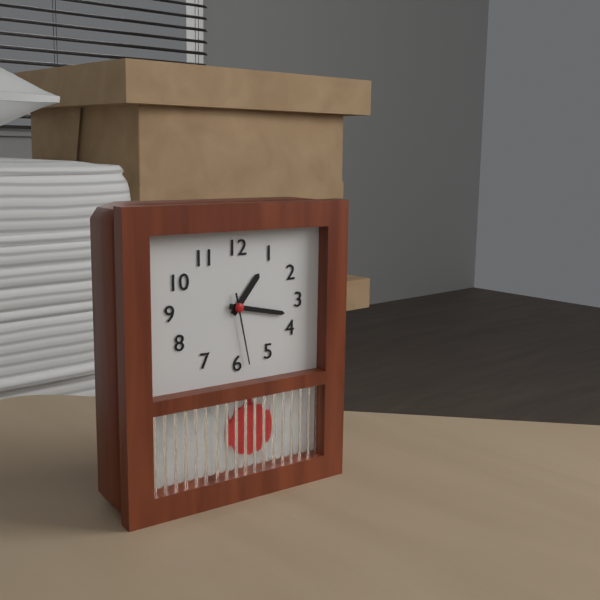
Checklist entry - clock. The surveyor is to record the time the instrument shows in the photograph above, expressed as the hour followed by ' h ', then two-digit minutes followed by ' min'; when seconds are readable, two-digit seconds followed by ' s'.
1 h 17 min 28 s
